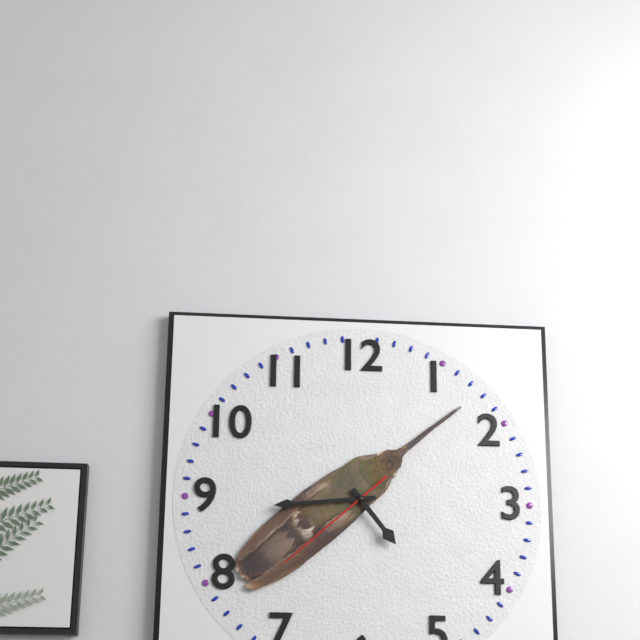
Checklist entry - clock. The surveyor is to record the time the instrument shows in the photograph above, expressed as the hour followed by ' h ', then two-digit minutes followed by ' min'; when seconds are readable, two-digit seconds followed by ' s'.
4 h 44 min 38 s
